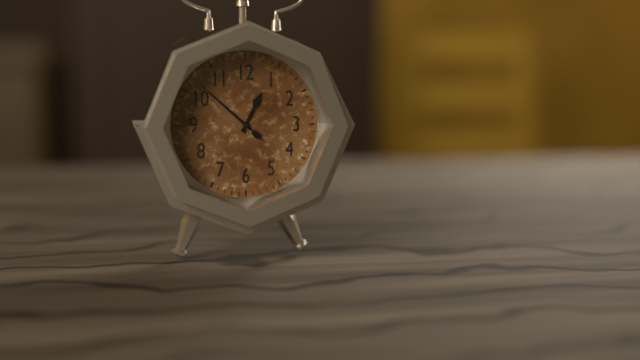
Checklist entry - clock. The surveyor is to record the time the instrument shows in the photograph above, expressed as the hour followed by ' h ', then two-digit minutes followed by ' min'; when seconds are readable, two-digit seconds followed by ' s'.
12 h 52 min
